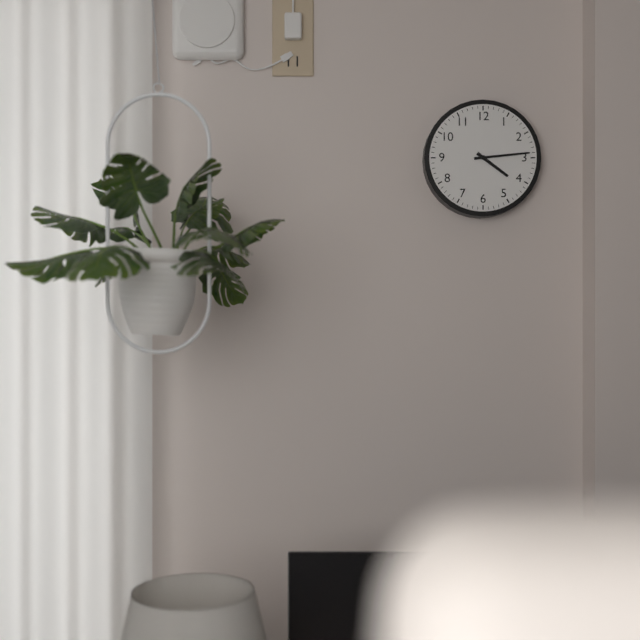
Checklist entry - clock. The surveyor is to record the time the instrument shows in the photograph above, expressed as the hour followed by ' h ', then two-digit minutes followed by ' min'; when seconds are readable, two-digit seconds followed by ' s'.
4 h 14 min
